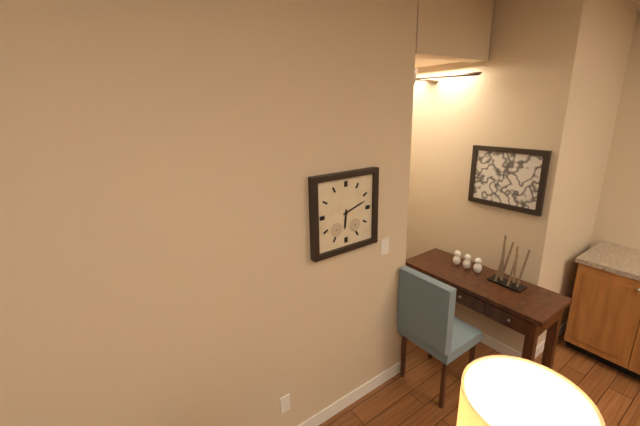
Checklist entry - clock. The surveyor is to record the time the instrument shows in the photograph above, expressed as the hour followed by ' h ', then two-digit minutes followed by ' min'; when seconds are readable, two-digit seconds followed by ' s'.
6 h 12 min
